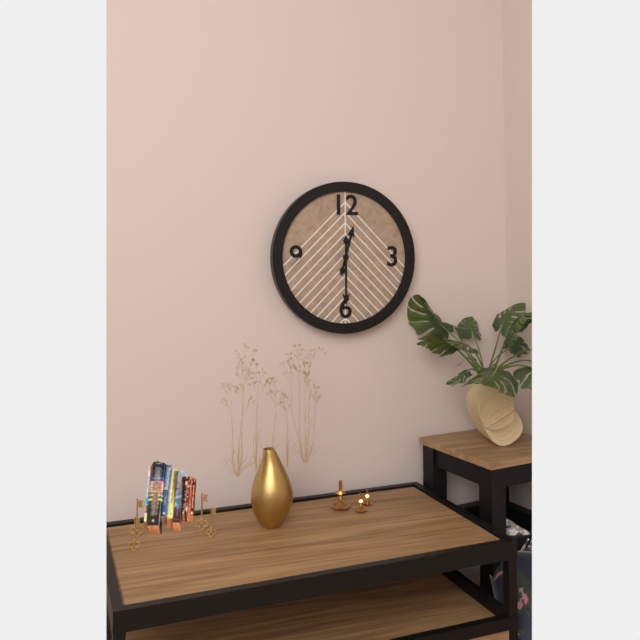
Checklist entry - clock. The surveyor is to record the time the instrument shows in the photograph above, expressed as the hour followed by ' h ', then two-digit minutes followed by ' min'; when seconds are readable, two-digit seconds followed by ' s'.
12 h 30 min
